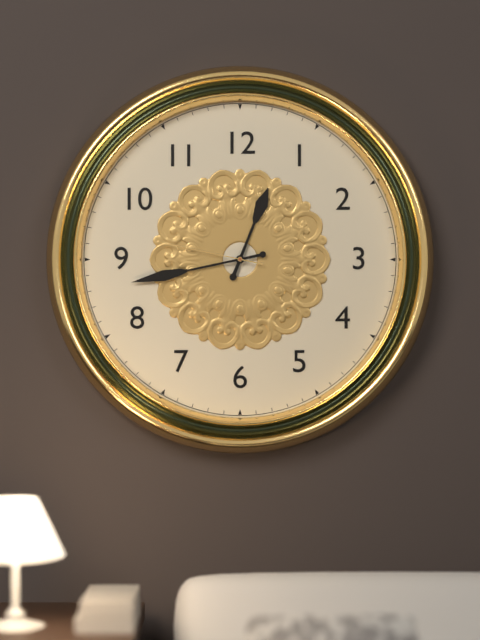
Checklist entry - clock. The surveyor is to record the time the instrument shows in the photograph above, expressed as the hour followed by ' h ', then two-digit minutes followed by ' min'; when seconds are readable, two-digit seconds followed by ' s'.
12 h 43 min 47 s
